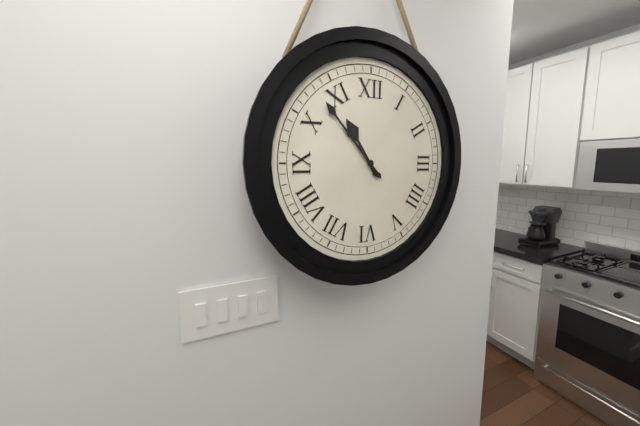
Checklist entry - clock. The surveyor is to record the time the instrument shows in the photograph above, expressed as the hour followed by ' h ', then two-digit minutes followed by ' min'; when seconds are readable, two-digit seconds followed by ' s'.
10 h 53 min
